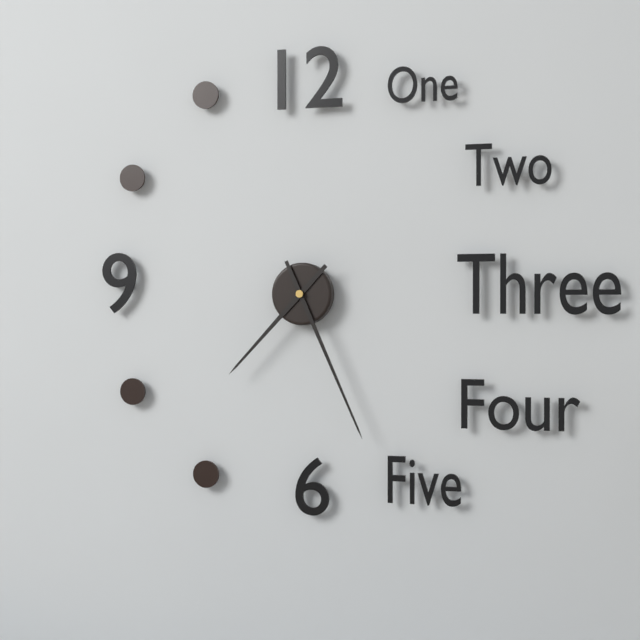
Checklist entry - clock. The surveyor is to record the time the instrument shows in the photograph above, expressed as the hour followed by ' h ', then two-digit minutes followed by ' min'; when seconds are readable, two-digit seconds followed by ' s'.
7 h 26 min
